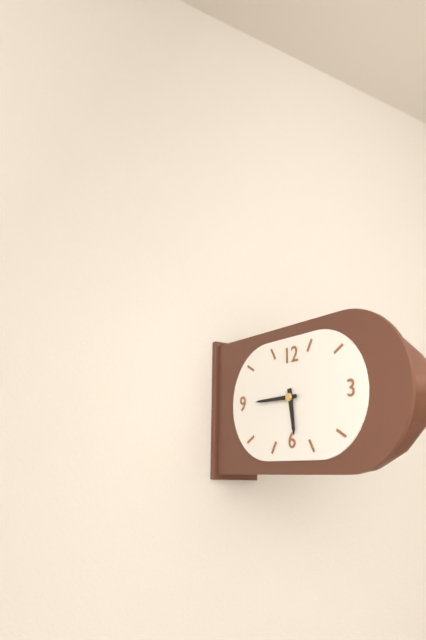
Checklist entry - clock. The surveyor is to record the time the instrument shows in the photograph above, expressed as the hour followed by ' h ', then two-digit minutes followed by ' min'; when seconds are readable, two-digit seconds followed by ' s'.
5 h 45 min
